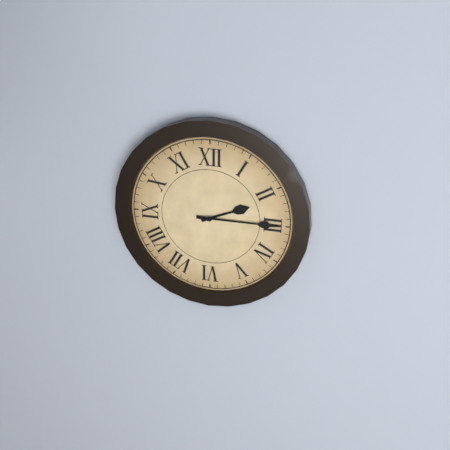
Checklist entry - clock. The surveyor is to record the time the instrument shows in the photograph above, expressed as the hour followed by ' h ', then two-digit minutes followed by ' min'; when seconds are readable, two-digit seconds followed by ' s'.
2 h 15 min
